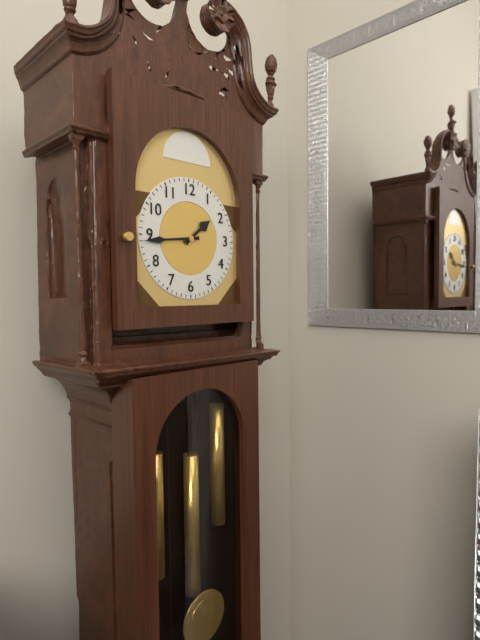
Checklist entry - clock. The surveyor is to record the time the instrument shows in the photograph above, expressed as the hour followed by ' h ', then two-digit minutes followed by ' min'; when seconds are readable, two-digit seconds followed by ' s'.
1 h 44 min
